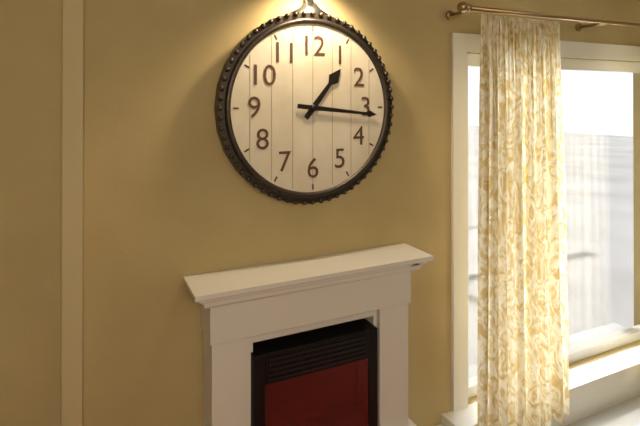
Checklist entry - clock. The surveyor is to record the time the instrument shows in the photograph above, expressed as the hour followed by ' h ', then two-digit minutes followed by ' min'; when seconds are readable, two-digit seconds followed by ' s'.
1 h 16 min
